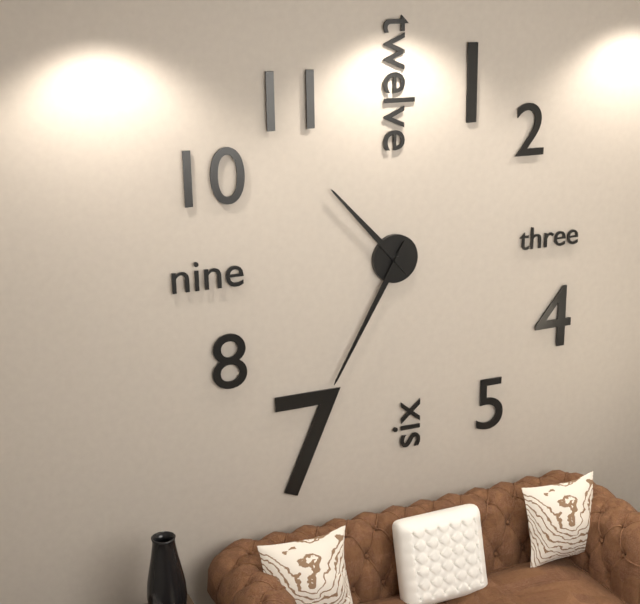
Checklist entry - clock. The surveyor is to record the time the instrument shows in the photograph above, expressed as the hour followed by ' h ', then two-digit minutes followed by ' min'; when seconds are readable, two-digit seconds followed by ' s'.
10 h 35 min
